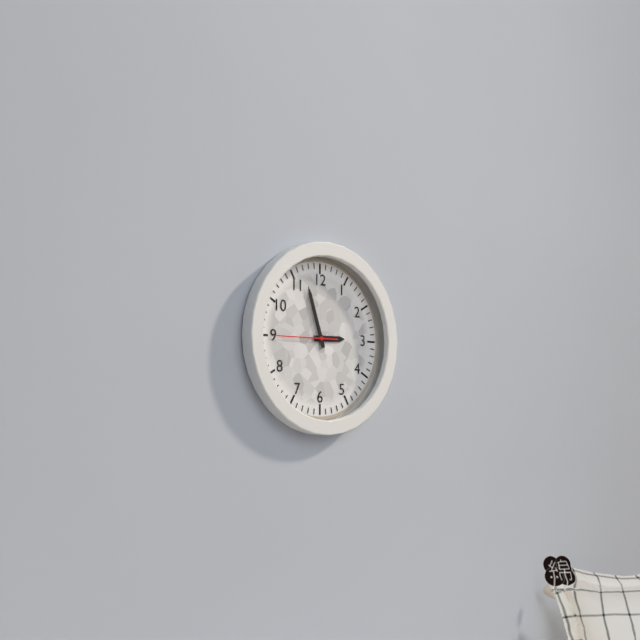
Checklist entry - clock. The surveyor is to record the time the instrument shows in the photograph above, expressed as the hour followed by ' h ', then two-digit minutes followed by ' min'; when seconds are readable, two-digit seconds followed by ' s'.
2 h 57 min 45 s
